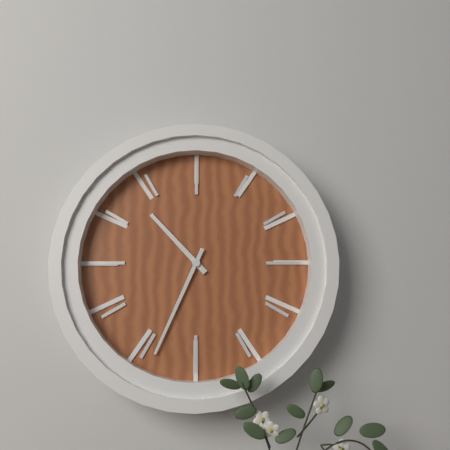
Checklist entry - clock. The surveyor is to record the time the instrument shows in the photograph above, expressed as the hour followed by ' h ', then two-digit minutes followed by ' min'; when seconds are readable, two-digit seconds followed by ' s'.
10 h 34 min
